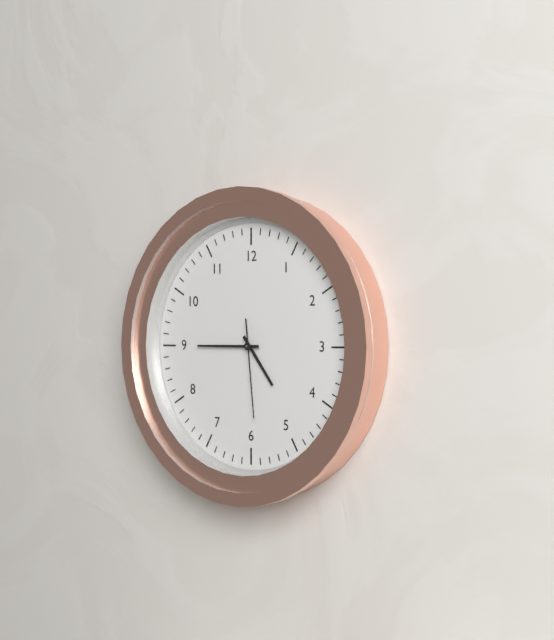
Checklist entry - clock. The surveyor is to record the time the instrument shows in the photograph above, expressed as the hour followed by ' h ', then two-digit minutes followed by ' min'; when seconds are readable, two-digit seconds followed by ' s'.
4 h 45 min 29 s
